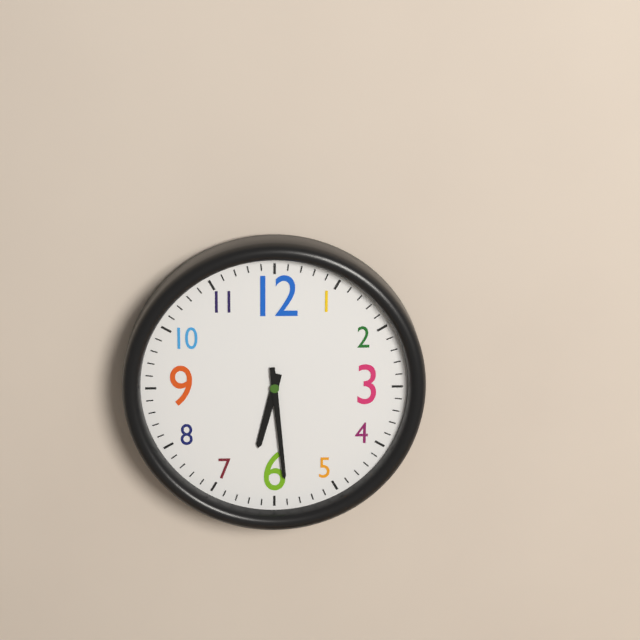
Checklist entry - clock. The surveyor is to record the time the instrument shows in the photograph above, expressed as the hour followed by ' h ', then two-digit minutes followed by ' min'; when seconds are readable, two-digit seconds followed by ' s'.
6 h 29 min
